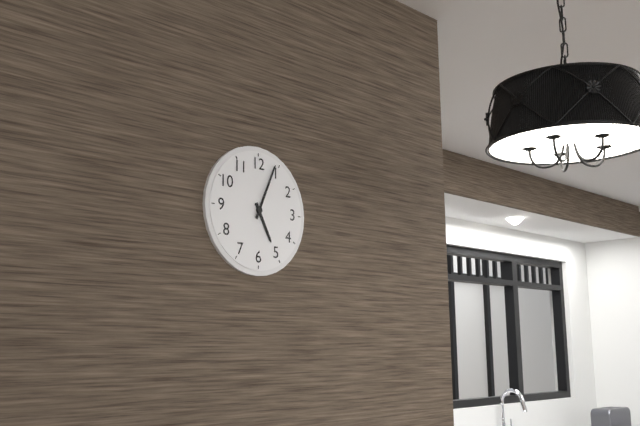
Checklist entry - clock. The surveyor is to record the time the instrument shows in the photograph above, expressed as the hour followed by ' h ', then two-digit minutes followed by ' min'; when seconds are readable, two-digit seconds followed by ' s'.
5 h 04 min
